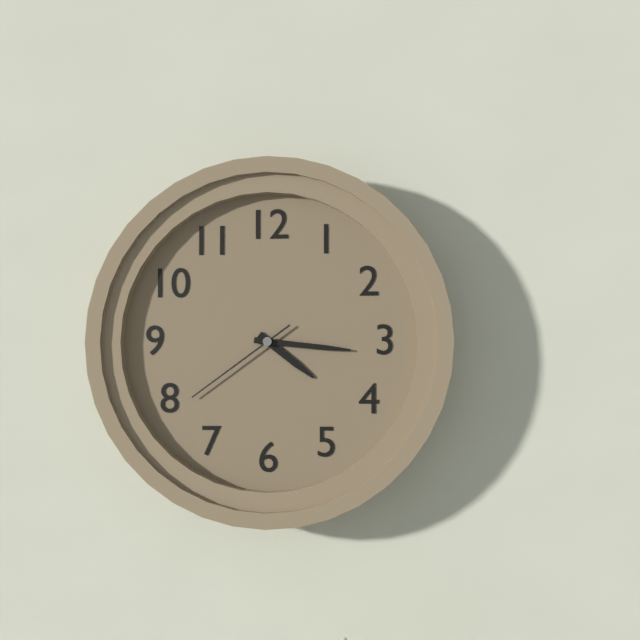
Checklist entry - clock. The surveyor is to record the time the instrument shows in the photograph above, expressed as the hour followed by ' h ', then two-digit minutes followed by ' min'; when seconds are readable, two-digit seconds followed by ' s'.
4 h 16 min 39 s
